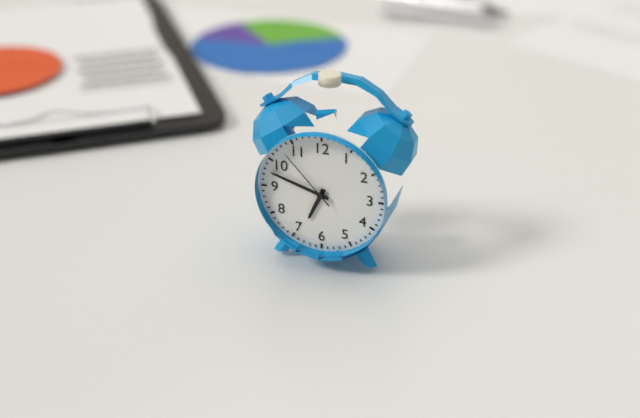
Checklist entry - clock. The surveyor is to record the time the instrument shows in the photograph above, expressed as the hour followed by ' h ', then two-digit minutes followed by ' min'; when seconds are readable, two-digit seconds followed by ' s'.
6 h 48 min 53 s
